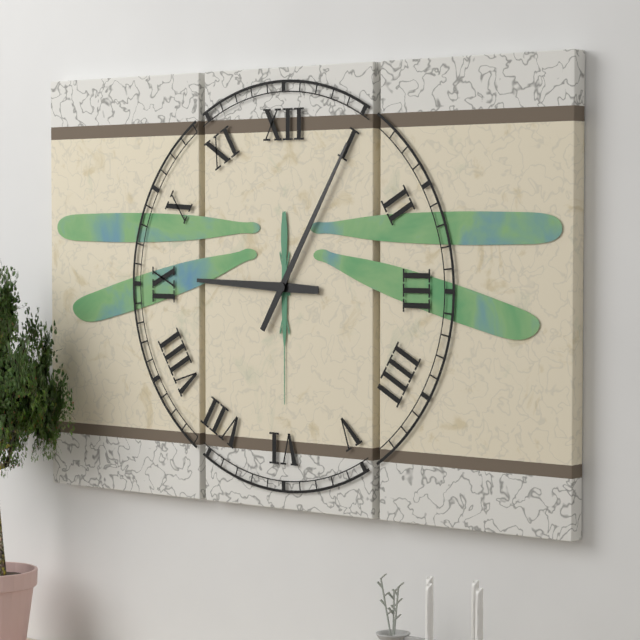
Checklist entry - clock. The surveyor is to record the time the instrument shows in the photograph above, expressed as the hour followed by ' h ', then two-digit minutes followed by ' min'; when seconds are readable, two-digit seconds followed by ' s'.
9 h 05 min
